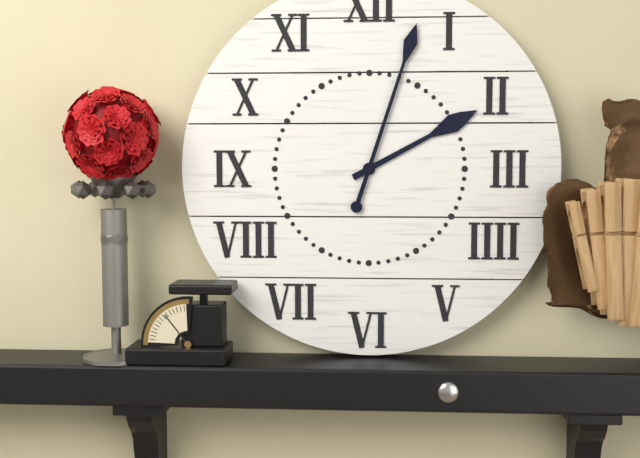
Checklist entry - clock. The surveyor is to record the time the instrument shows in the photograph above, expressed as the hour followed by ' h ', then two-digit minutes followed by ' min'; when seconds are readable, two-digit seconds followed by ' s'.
2 h 03 min
